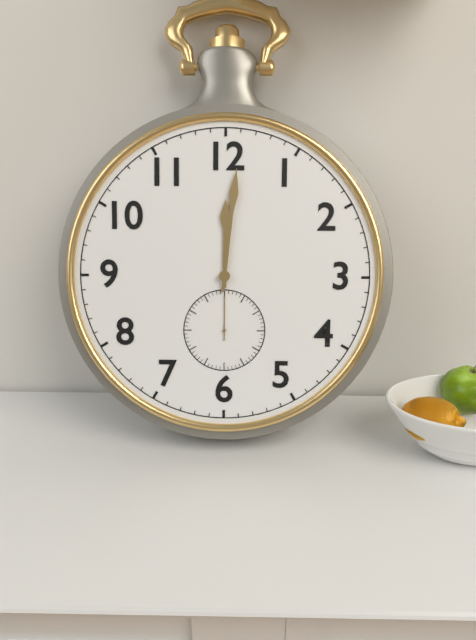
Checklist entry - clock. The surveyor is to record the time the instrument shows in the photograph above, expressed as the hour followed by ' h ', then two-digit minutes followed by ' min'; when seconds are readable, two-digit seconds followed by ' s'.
12 h 01 min
